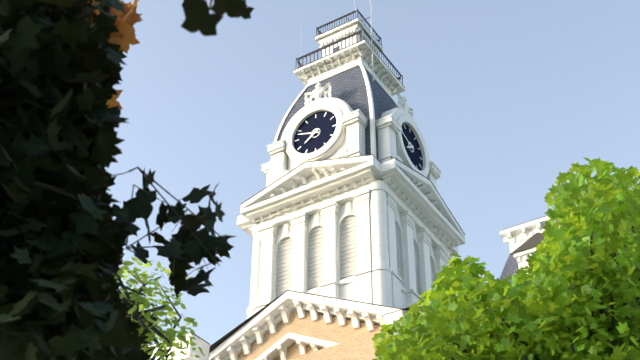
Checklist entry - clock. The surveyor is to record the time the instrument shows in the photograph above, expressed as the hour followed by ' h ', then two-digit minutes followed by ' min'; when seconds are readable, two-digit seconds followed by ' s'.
7 h 48 min
